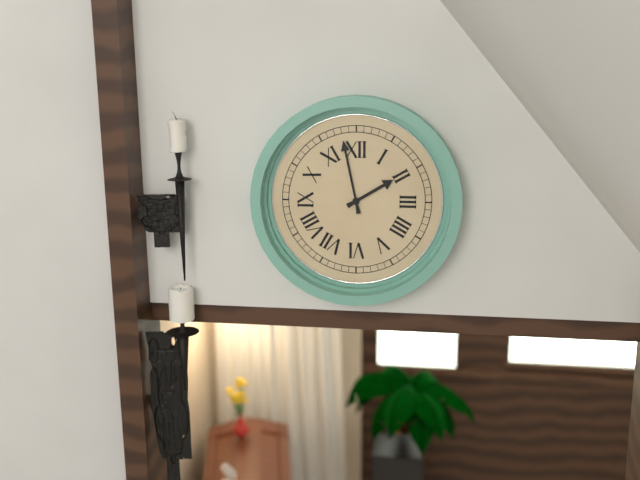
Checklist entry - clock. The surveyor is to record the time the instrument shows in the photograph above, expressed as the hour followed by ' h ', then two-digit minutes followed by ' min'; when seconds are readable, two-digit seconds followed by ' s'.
1 h 58 min
